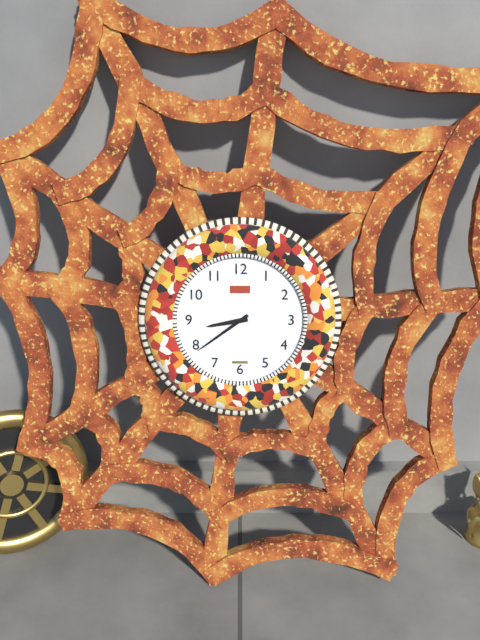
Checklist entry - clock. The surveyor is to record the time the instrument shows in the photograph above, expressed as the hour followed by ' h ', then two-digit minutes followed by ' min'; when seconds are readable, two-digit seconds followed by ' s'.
8 h 39 min
